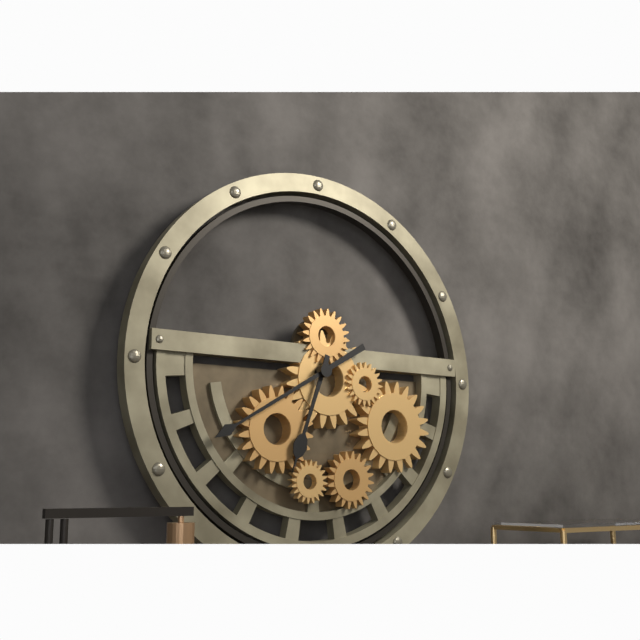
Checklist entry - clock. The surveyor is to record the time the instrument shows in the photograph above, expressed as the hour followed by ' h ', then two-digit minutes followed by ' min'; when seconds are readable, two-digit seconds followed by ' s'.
6 h 40 min
